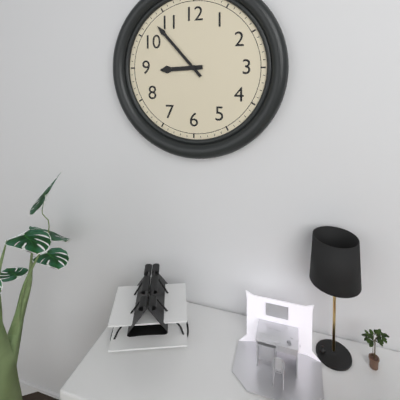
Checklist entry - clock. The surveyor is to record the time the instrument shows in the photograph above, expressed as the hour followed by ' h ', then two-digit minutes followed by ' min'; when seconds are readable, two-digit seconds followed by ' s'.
8 h 53 min
